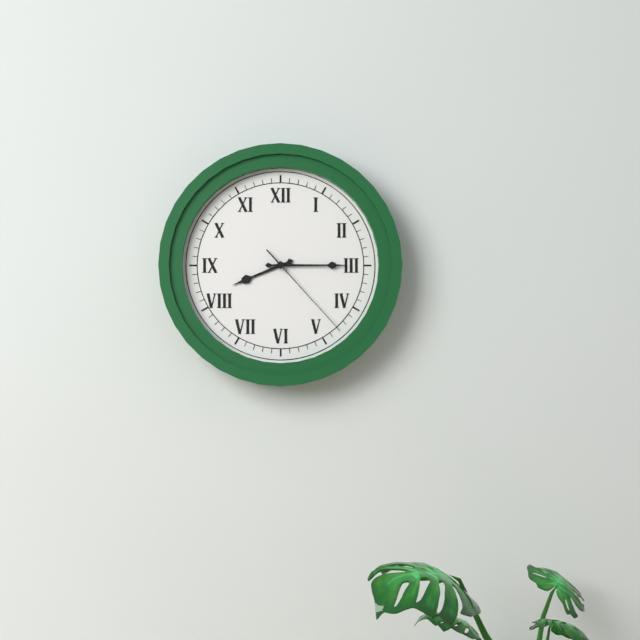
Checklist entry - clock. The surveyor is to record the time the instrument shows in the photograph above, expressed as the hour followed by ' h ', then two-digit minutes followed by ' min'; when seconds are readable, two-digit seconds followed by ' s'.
8 h 15 min 23 s
